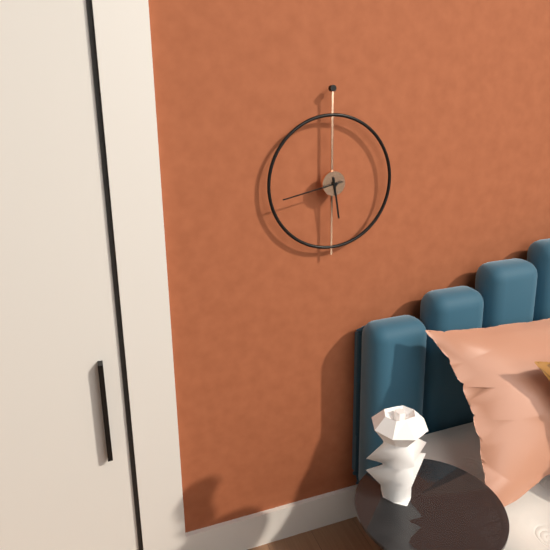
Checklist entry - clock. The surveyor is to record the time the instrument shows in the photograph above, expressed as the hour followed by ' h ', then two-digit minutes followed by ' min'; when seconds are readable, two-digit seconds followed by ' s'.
5 h 43 min
